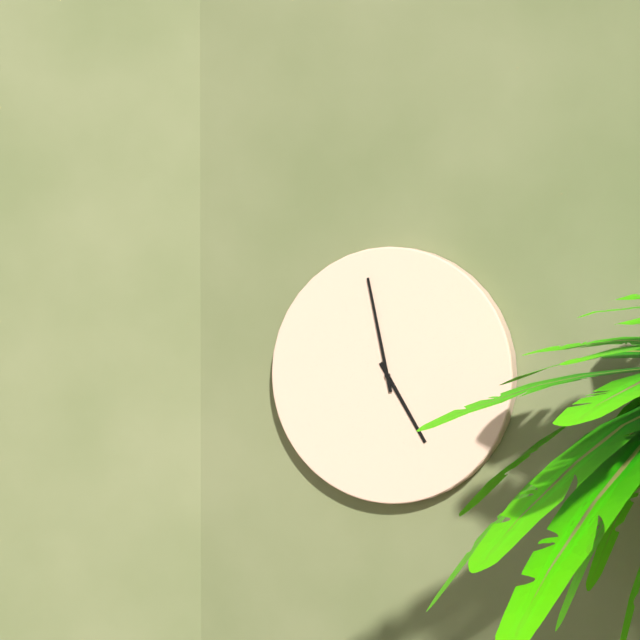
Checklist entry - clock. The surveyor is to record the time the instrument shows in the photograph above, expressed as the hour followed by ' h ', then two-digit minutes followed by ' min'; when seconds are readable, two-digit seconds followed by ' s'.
4 h 58 min
